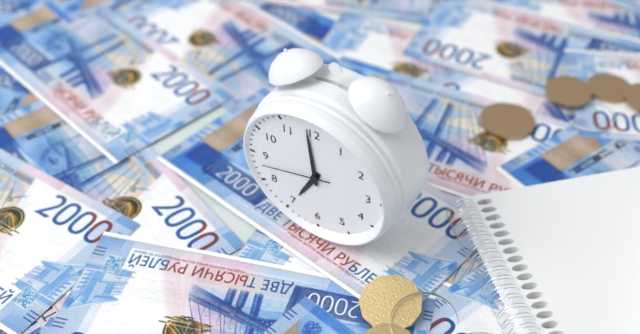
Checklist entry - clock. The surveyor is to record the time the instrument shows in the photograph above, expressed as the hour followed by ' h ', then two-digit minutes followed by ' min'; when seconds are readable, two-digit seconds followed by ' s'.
6 h 59 min 43 s
